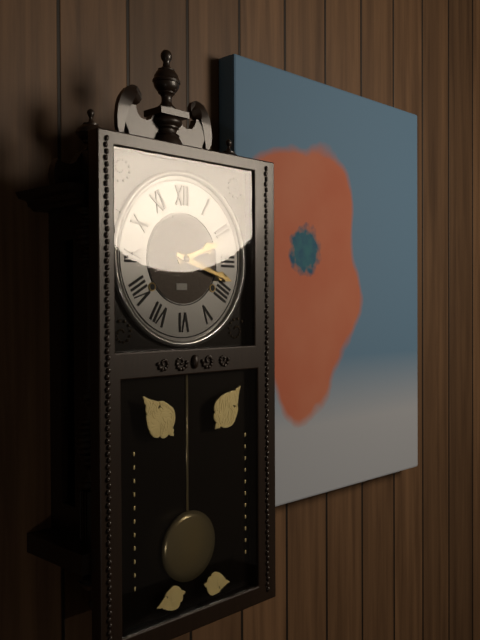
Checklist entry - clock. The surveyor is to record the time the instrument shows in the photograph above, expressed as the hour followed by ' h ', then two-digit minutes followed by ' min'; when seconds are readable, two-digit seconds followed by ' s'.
2 h 18 min
